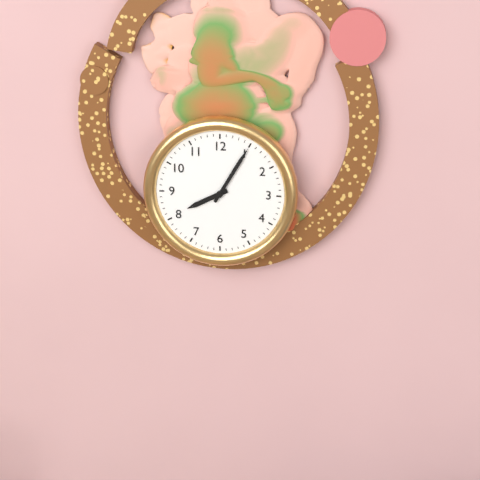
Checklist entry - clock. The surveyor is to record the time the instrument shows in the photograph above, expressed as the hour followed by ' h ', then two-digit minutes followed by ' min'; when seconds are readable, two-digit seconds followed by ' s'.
8 h 05 min
